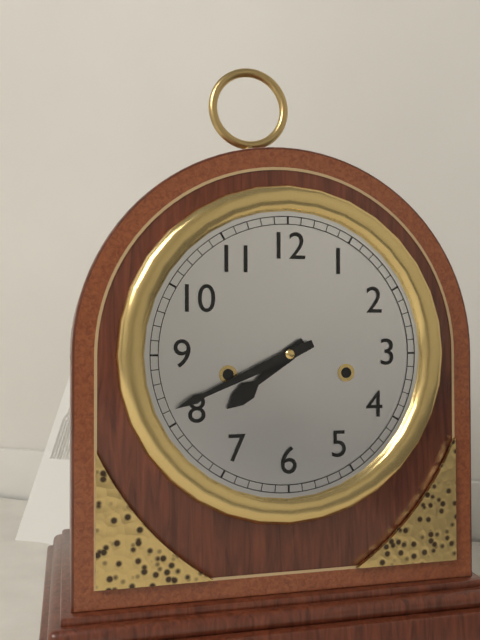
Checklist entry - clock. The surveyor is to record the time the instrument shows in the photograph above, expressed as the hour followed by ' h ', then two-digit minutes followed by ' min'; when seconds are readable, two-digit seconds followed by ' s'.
7 h 41 min
